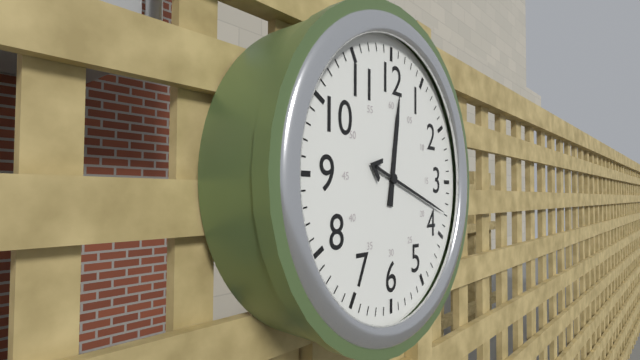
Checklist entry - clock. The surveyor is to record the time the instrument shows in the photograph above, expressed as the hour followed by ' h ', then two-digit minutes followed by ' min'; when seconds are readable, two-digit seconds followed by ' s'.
12 h 18 min
